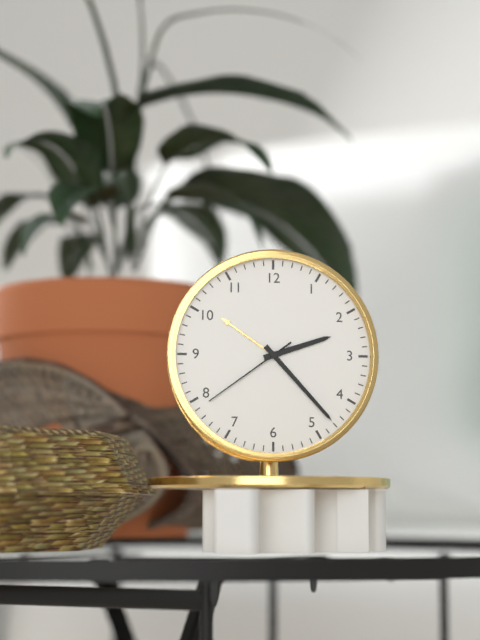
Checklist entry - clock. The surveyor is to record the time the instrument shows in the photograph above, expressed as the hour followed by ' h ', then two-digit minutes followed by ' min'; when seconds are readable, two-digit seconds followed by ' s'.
2 h 23 min 39 s
